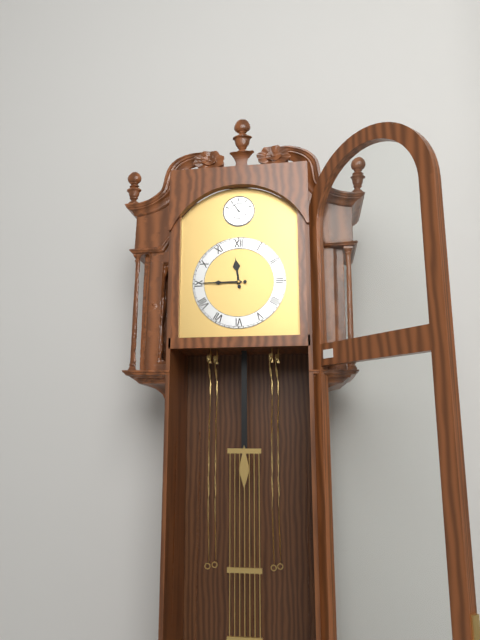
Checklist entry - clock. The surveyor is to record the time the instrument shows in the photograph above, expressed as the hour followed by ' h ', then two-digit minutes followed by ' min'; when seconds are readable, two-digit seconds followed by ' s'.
11 h 45 min
